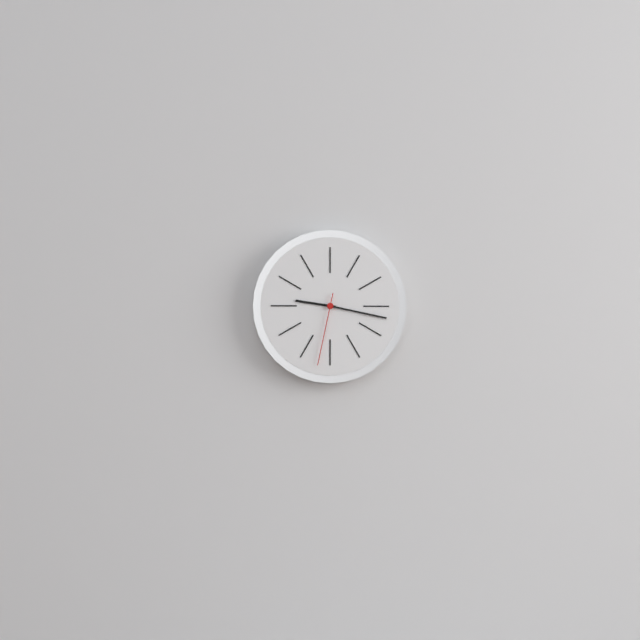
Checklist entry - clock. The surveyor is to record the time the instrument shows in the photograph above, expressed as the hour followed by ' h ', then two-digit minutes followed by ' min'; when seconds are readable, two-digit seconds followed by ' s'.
9 h 17 min 32 s
